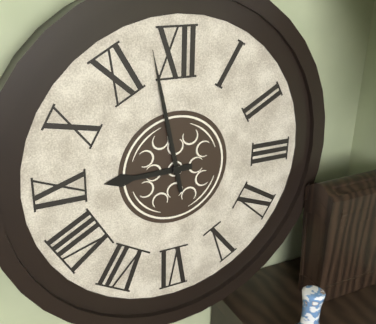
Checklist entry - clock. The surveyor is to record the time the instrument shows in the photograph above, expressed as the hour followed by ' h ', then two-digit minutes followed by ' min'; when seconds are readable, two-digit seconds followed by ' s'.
8 h 58 min
